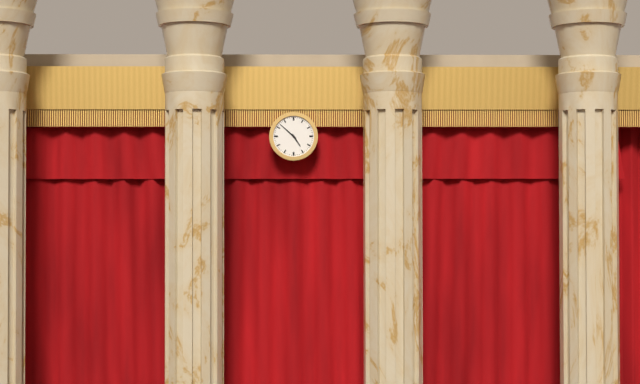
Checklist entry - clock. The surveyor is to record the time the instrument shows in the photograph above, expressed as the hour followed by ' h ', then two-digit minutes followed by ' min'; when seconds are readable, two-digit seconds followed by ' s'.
4 h 52 min
